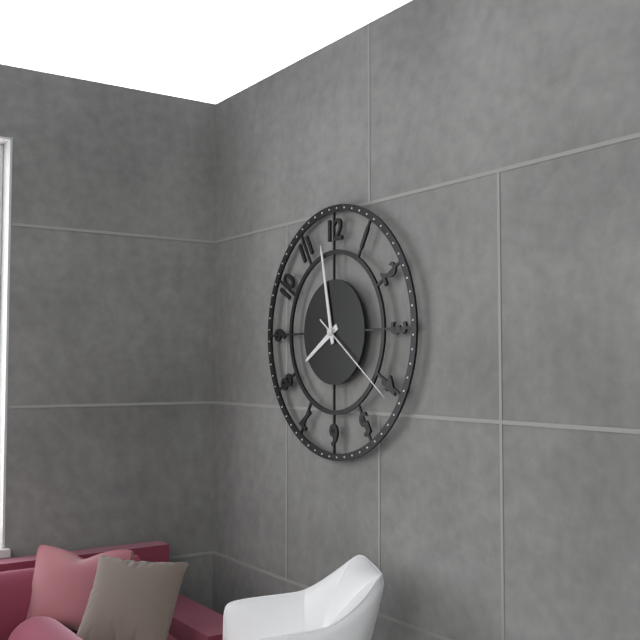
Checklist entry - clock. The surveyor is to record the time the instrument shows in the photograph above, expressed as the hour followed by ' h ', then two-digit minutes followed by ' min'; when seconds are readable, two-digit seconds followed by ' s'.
7 h 58 min 21 s
